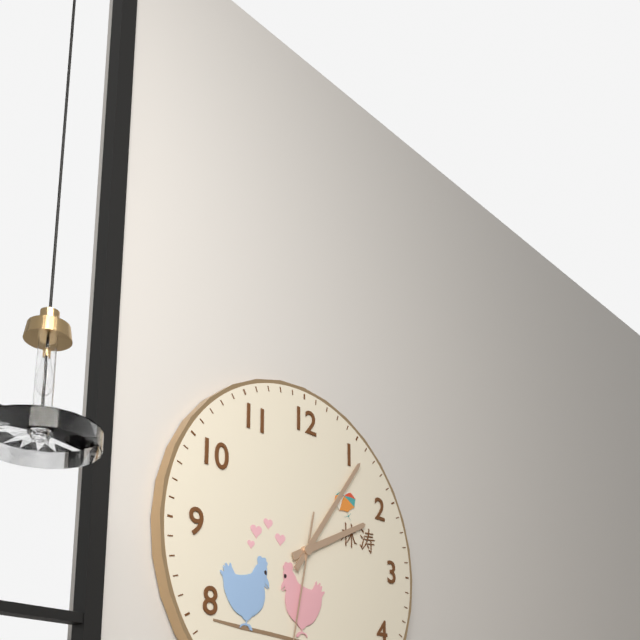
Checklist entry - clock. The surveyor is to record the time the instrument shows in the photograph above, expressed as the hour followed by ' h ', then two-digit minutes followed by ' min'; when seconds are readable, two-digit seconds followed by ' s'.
2 h 06 min
